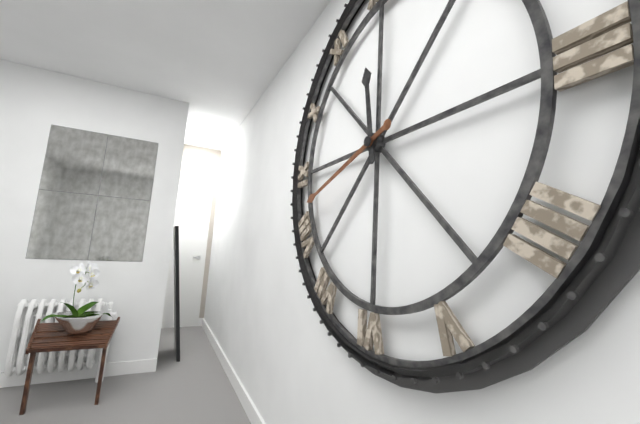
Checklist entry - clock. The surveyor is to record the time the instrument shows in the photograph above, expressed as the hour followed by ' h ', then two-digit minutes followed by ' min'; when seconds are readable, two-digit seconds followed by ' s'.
11 h 42 min
